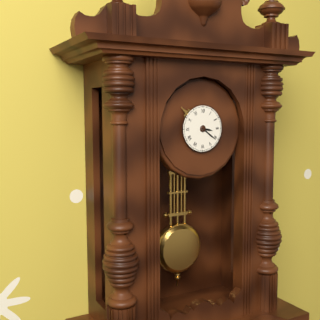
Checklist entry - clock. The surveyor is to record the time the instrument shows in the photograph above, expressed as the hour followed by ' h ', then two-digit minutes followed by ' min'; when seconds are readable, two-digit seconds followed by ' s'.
3 h 21 min
